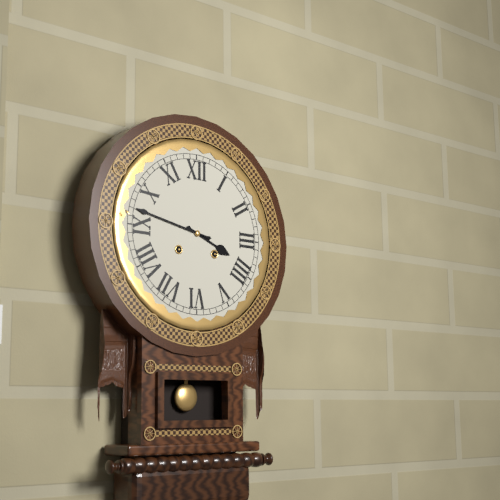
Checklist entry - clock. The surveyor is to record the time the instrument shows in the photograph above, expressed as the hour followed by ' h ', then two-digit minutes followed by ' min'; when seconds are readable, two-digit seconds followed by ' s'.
3 h 47 min
